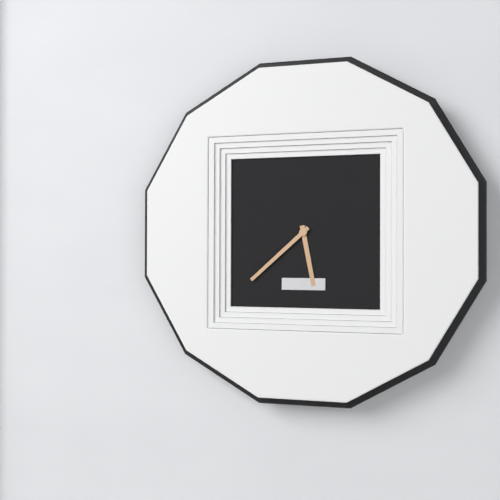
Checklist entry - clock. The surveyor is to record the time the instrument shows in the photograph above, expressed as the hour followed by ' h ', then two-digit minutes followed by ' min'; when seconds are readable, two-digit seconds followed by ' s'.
5 h 38 min
